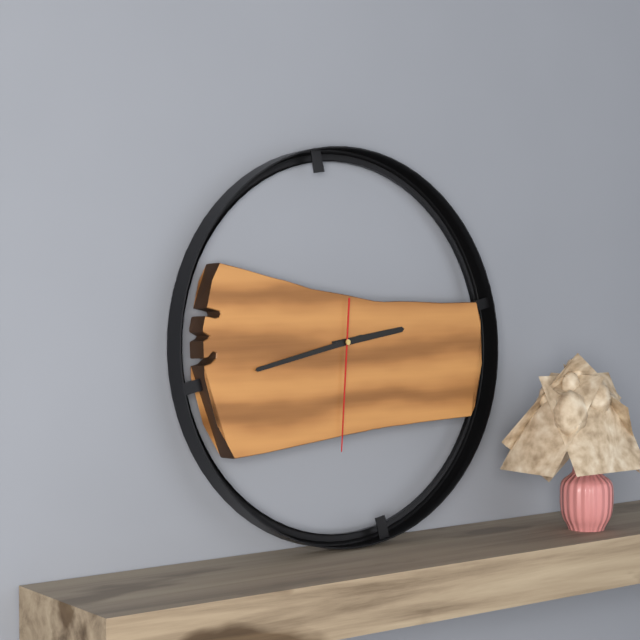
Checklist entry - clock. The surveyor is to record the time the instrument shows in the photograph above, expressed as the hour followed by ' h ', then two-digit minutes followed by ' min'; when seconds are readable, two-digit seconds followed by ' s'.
2 h 43 min 31 s
